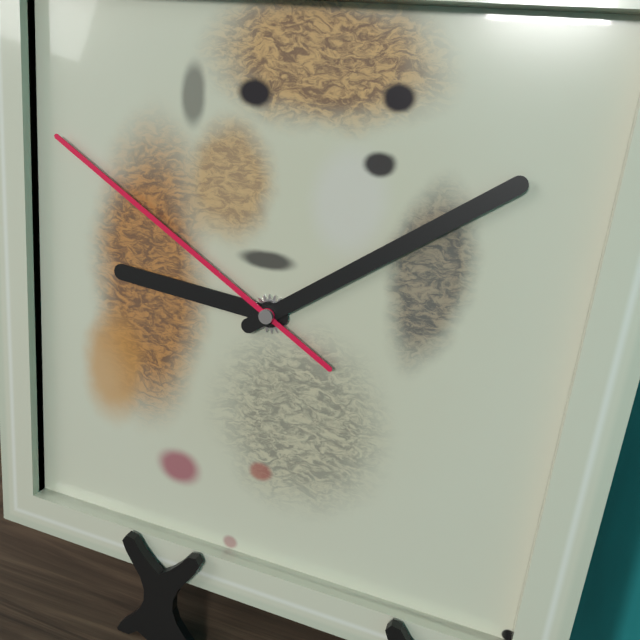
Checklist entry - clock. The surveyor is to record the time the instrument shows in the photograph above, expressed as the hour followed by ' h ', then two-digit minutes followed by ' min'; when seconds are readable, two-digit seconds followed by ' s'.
9 h 09 min 50 s
